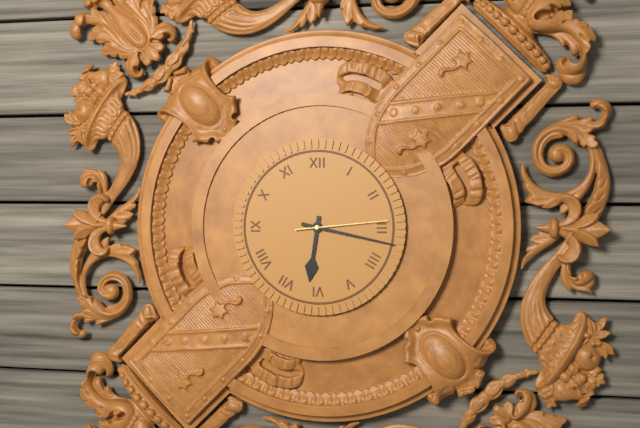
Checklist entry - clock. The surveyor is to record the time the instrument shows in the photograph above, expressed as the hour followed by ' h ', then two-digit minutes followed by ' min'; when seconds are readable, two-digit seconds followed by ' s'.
6 h 17 min 14 s
